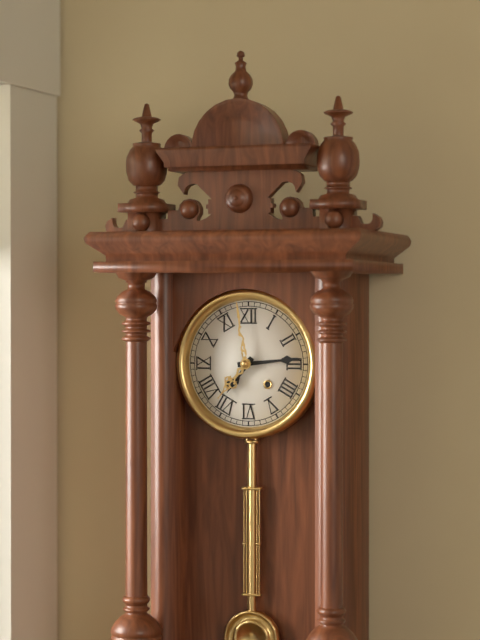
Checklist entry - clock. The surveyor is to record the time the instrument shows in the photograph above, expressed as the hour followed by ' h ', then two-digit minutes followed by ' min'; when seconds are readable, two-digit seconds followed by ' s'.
7 h 14 min
